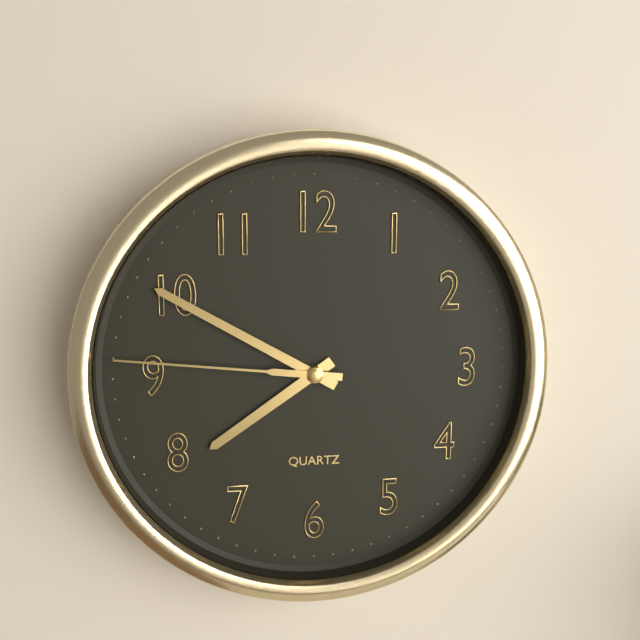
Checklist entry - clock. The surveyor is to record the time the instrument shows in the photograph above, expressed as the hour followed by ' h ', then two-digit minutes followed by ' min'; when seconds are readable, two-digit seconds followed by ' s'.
7 h 50 min 46 s
